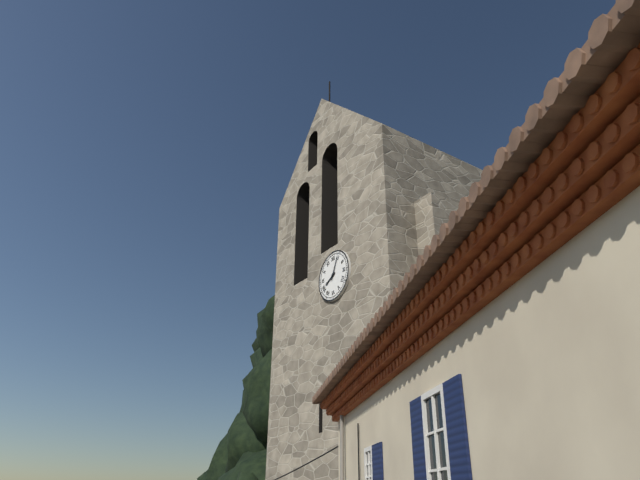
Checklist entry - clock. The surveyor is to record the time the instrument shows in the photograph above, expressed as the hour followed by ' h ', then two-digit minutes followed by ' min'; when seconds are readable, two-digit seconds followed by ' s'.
8 h 04 min
